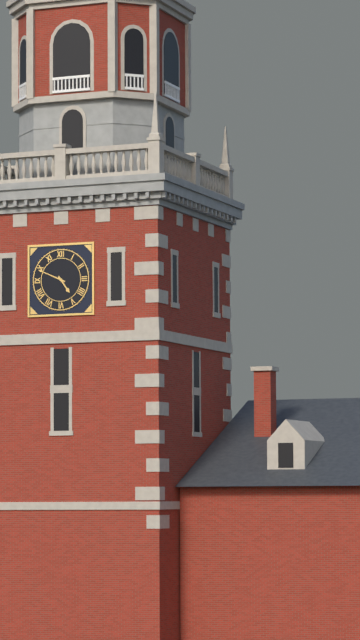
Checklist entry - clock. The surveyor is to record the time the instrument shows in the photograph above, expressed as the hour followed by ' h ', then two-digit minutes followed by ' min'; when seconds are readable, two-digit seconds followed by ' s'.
4 h 49 min
